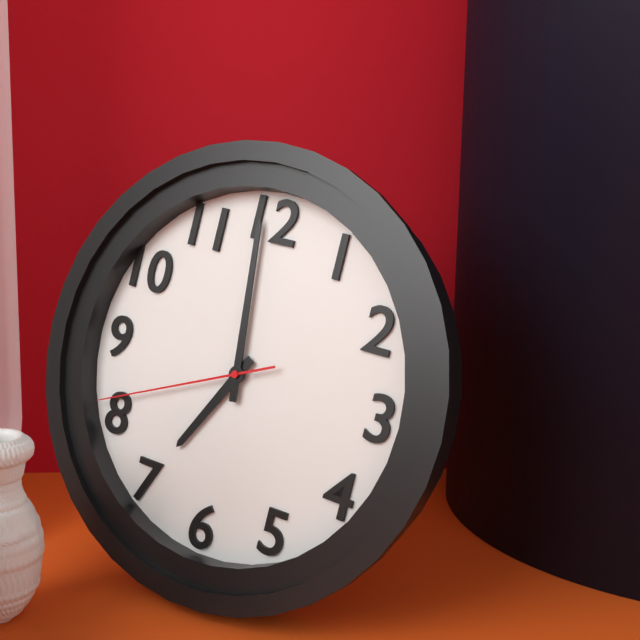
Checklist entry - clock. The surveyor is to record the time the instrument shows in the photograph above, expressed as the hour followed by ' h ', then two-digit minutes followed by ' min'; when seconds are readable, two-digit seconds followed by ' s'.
6 h 59 min 41 s
